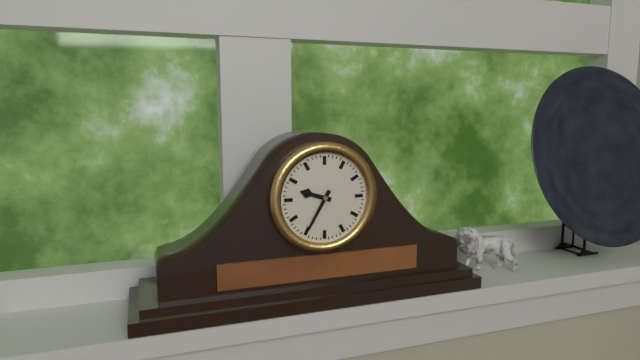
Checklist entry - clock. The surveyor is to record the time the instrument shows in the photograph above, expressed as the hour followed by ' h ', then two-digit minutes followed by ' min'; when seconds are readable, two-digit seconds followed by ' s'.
9 h 35 min
